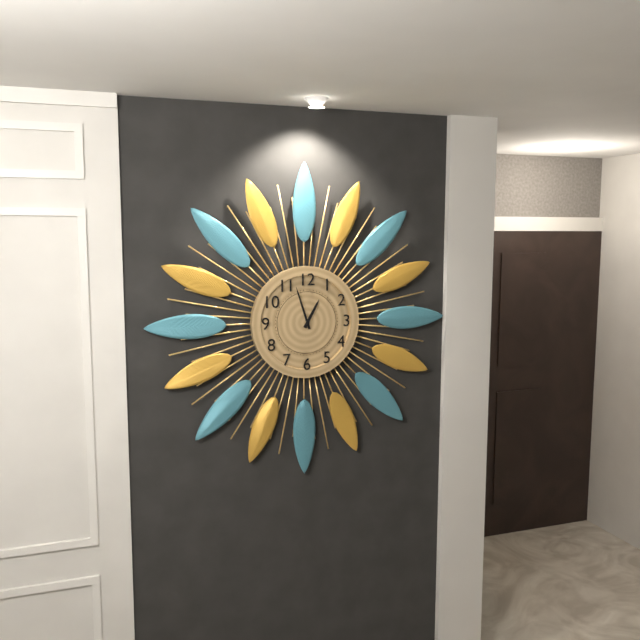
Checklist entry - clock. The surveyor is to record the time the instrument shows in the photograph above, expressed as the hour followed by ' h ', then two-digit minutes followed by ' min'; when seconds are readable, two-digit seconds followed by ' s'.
12 h 57 min
